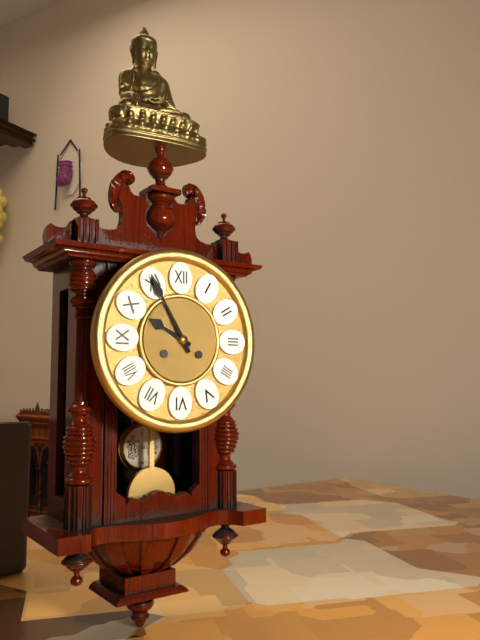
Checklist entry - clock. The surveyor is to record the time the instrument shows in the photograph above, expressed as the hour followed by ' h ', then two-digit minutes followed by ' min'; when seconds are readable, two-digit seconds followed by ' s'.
9 h 55 min
